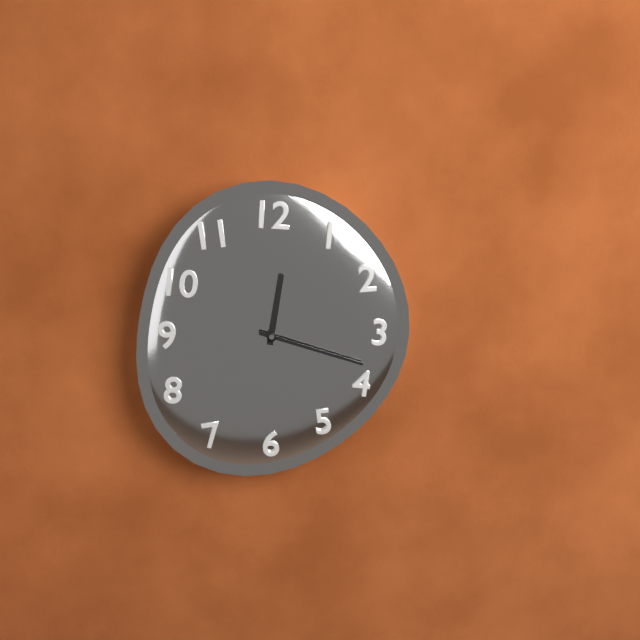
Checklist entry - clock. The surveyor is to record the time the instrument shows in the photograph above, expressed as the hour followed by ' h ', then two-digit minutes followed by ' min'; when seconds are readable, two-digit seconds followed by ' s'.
12 h 18 min
